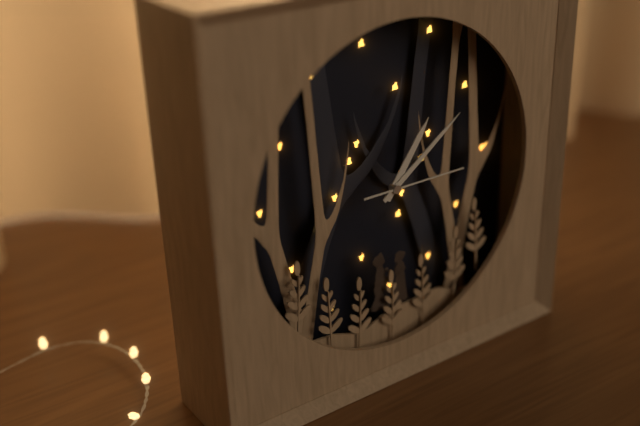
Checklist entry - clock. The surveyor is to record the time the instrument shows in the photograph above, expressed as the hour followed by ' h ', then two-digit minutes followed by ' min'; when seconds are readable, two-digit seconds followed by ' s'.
1 h 09 min 15 s
